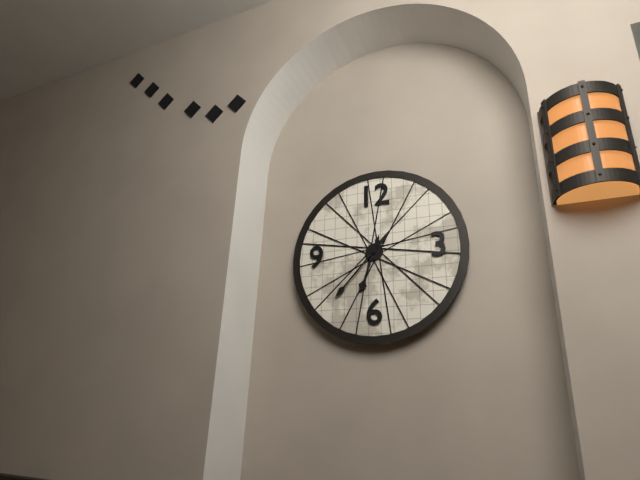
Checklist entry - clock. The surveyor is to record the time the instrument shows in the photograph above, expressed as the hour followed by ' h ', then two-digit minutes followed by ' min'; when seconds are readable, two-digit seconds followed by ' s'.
6 h 37 min
